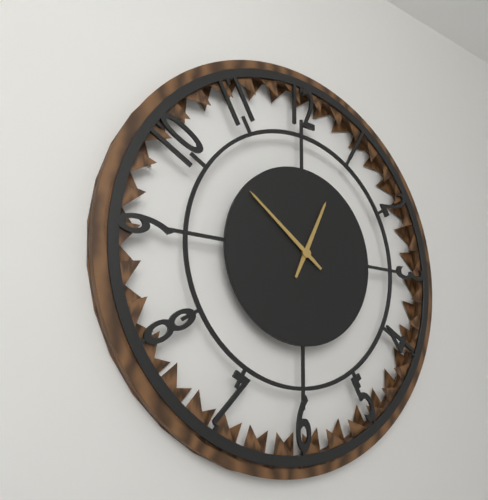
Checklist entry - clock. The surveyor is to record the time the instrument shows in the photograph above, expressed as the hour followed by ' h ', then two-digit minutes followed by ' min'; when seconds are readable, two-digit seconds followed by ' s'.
12 h 51 min
